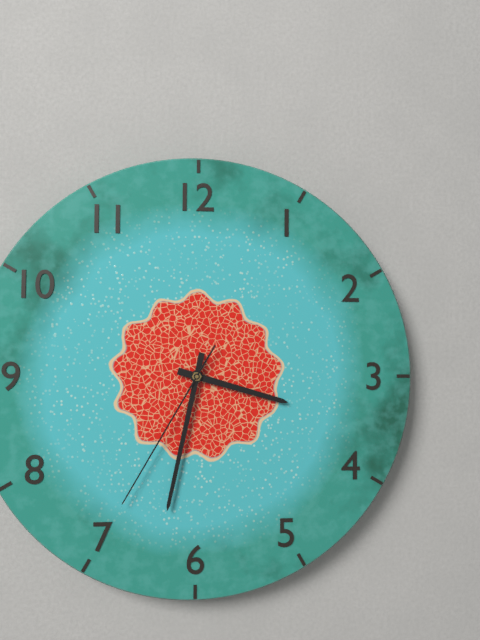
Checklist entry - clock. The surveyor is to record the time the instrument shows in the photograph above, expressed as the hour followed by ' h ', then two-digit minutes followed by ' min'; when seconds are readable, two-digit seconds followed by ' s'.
3 h 32 min 35 s
